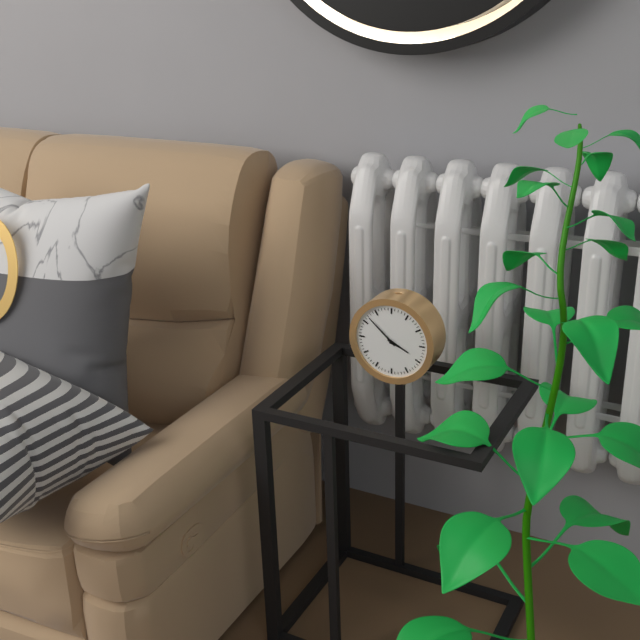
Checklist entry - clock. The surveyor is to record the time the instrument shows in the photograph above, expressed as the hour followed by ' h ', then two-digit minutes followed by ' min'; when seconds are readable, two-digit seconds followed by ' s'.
3 h 52 min
